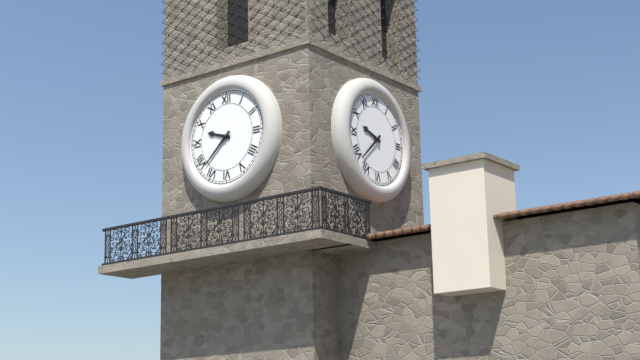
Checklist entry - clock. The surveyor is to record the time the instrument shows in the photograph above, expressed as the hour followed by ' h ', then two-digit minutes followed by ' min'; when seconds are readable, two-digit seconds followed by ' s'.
9 h 38 min
